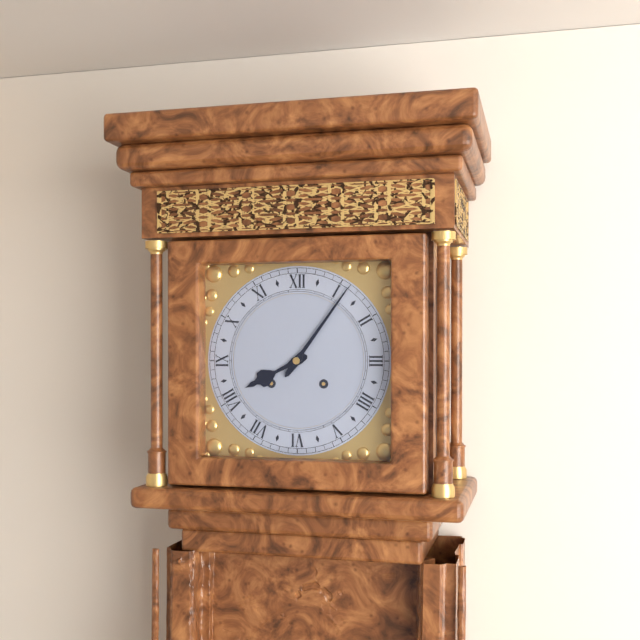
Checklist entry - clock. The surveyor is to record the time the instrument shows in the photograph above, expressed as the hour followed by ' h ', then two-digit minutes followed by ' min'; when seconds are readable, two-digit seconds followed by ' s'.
8 h 06 min
